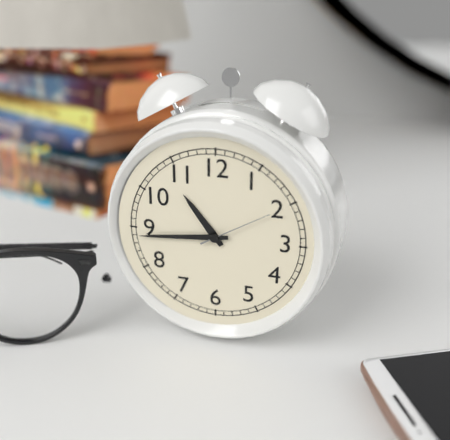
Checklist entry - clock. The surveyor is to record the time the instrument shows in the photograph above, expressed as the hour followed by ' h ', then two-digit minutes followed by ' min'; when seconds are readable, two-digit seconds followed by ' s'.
10 h 44 min 10 s
